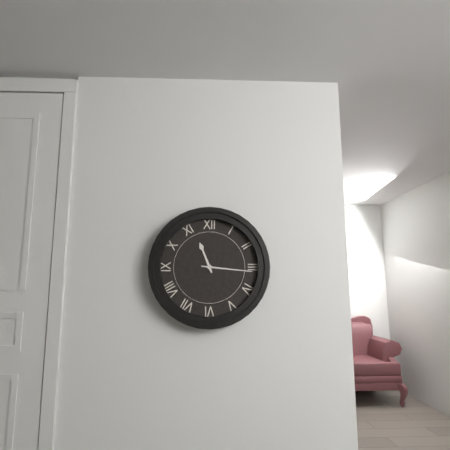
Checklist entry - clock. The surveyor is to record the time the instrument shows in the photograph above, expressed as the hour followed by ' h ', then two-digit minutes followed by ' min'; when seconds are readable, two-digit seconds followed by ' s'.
11 h 16 min
